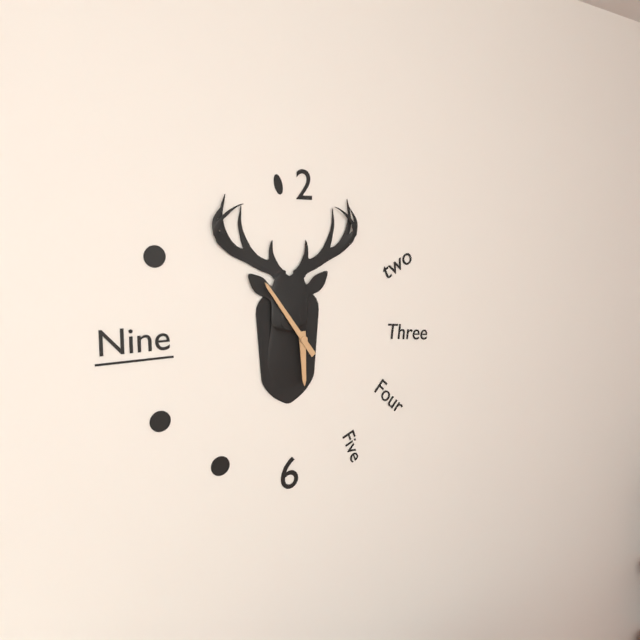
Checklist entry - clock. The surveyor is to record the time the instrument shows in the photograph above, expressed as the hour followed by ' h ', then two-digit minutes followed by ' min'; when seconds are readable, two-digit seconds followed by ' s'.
5 h 54 min
